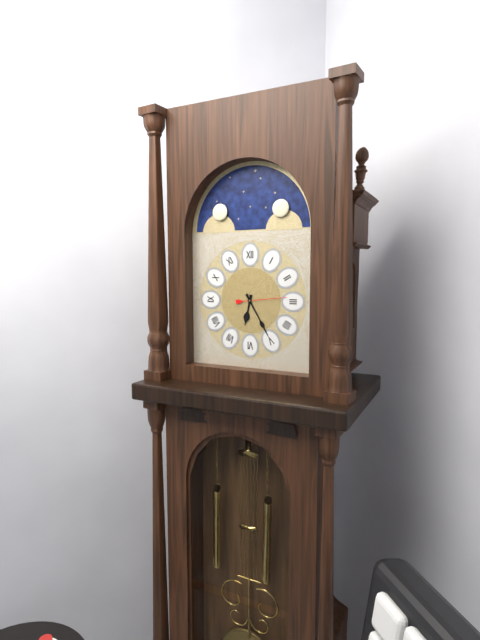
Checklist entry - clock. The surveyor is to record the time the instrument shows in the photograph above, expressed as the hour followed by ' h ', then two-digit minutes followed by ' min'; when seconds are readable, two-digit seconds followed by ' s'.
6 h 25 min
